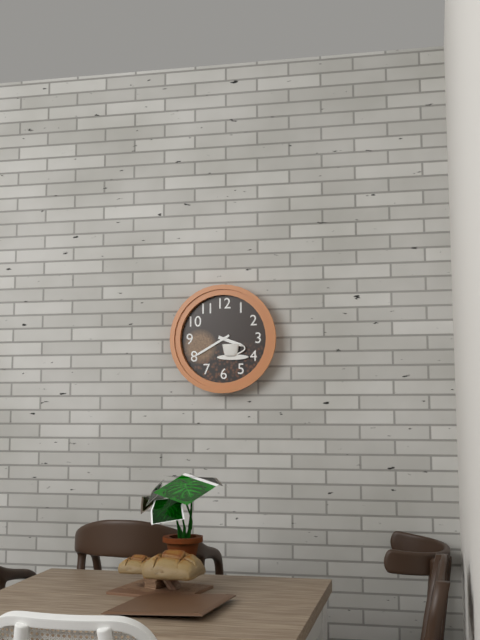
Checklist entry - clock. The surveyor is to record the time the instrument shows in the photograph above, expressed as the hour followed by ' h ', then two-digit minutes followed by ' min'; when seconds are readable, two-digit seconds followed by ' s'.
3 h 40 min
